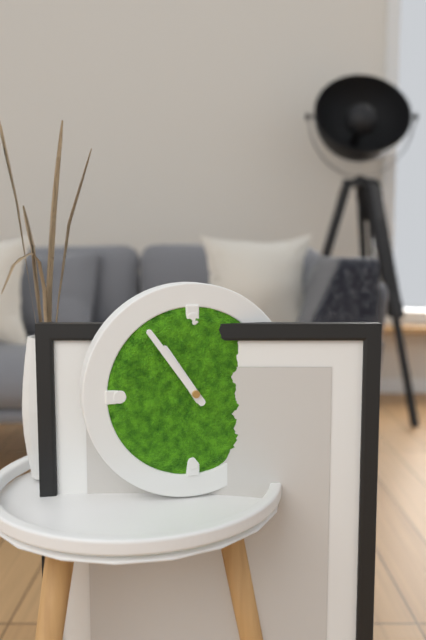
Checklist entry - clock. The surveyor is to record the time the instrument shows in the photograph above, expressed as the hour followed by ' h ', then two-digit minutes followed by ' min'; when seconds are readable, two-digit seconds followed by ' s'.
10 h 54 min
